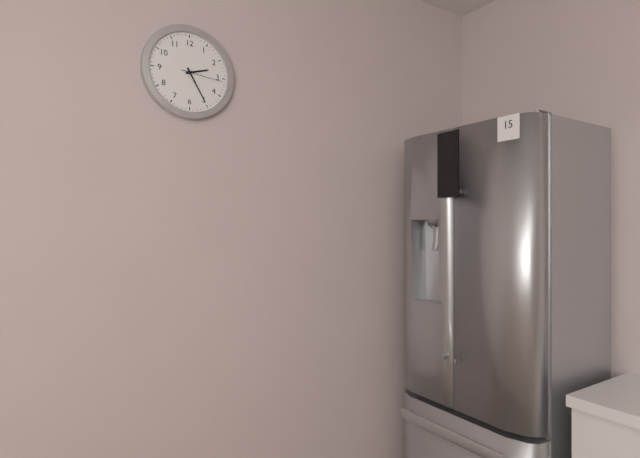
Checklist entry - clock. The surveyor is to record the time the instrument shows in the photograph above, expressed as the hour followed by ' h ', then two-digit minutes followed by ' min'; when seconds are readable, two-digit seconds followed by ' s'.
2 h 25 min
